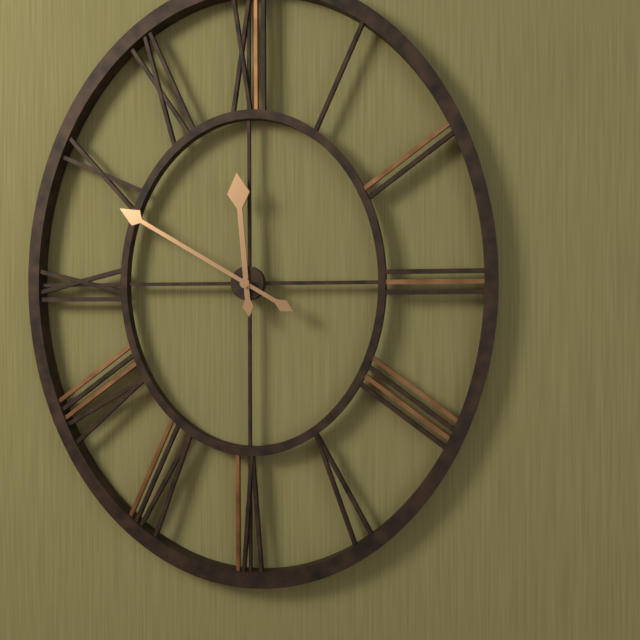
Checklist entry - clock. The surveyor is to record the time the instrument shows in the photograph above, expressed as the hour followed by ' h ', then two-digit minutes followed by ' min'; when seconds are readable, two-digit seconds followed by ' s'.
11 h 50 min
